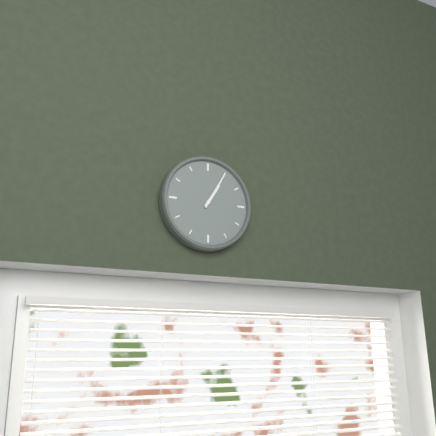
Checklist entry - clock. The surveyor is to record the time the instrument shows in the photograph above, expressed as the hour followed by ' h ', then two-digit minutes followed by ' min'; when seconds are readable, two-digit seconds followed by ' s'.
1 h 05 min
